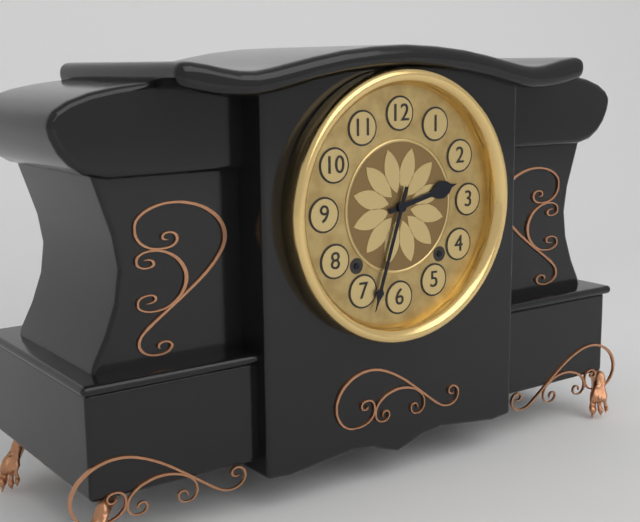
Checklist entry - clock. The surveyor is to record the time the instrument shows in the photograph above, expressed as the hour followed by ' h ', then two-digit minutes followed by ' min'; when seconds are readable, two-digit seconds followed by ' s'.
2 h 33 min
